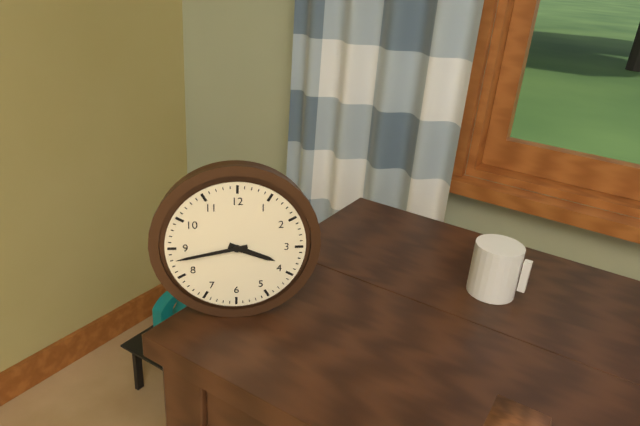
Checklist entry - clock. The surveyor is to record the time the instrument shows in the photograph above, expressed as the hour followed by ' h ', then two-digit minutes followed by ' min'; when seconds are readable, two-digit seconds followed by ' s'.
3 h 43 min
